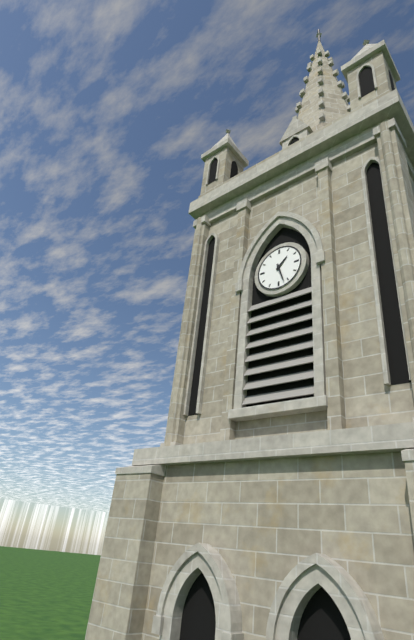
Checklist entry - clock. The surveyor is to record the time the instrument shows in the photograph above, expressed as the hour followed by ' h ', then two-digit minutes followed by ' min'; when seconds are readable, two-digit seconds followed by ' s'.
1 h 27 min
